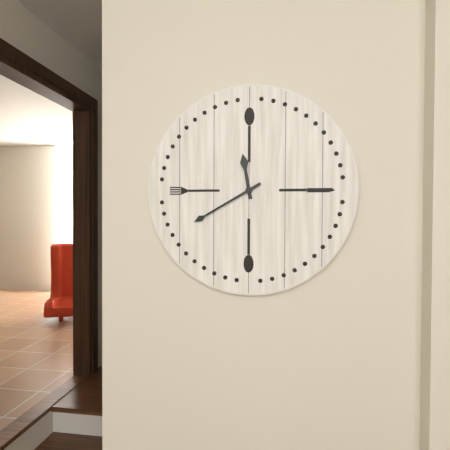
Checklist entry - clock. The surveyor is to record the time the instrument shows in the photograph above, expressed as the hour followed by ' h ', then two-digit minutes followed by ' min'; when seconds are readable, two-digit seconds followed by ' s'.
11 h 40 min
